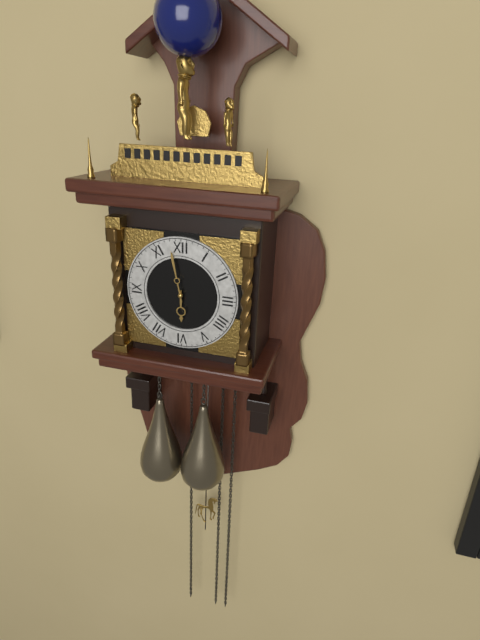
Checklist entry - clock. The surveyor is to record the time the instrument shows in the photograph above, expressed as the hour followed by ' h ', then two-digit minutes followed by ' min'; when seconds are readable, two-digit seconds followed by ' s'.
5 h 58 min
